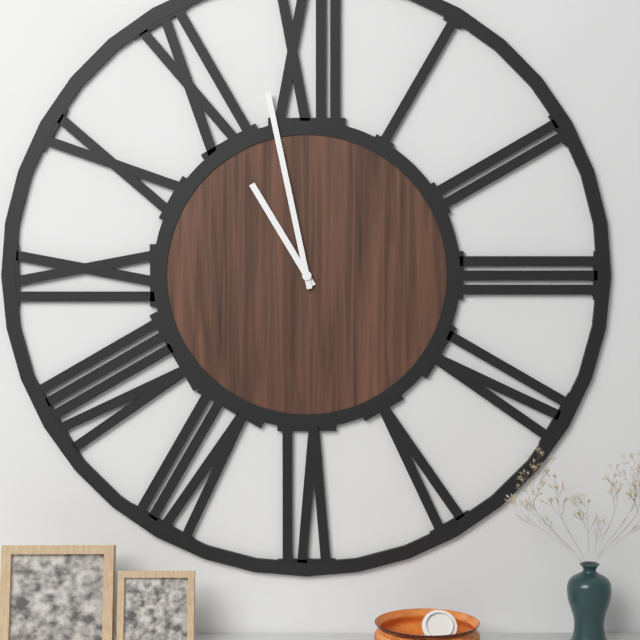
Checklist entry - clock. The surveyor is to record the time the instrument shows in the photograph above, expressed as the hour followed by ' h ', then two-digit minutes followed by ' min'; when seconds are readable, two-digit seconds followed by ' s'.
10 h 58 min
